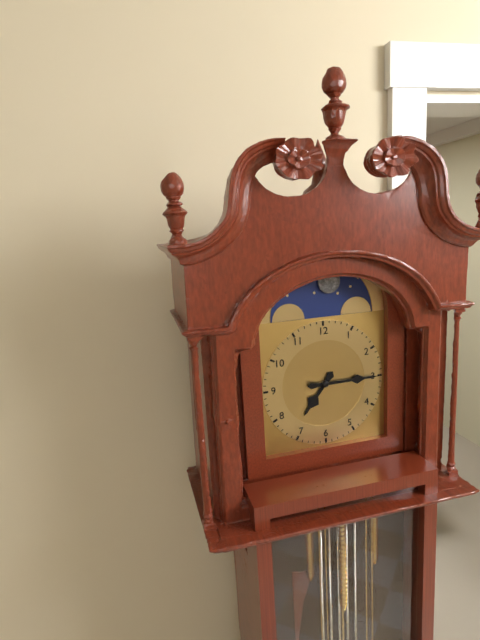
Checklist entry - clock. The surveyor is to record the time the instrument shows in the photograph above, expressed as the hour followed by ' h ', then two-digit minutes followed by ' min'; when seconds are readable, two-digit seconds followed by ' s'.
7 h 15 min
